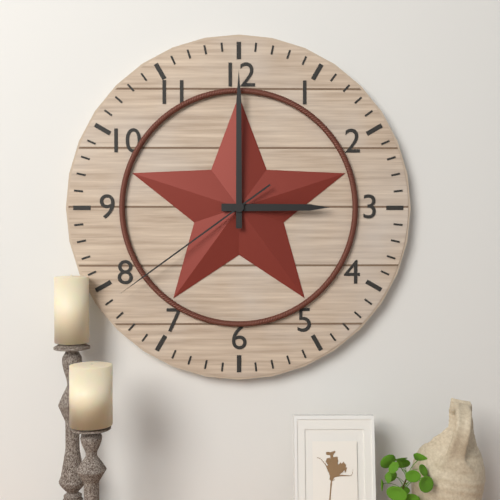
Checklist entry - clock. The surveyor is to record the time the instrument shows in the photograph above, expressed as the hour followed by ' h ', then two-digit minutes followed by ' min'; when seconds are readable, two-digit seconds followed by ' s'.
3 h 00 min 39 s
